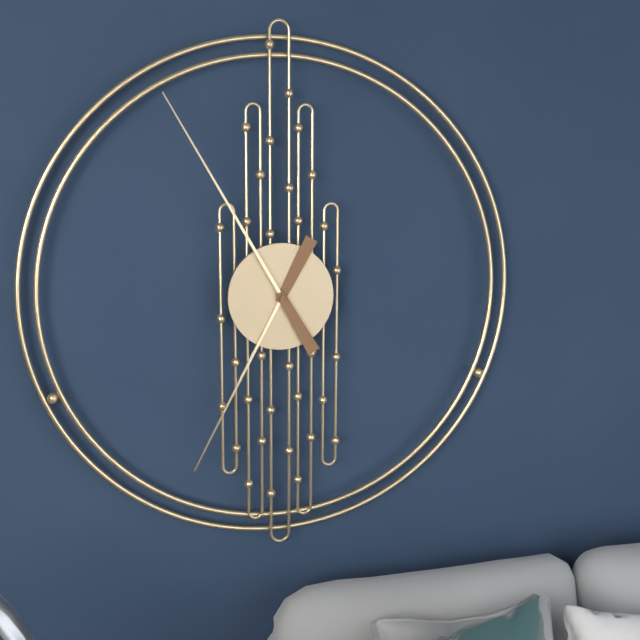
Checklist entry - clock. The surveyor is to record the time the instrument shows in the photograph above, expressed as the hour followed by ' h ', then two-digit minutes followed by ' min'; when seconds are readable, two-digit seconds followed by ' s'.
6 h 55 min
